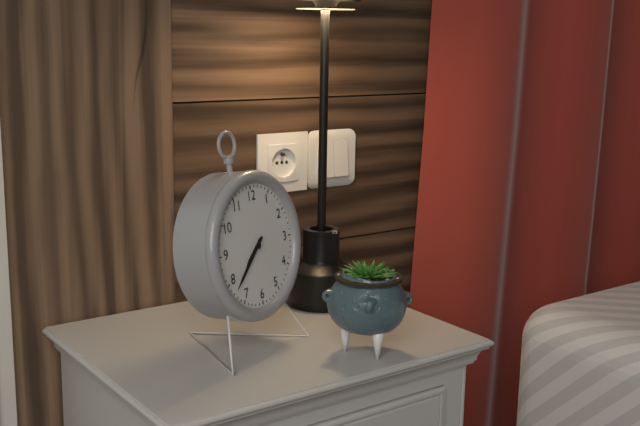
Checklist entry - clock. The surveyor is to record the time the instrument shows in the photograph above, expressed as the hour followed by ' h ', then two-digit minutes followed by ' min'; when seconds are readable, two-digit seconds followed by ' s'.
7 h 38 min
